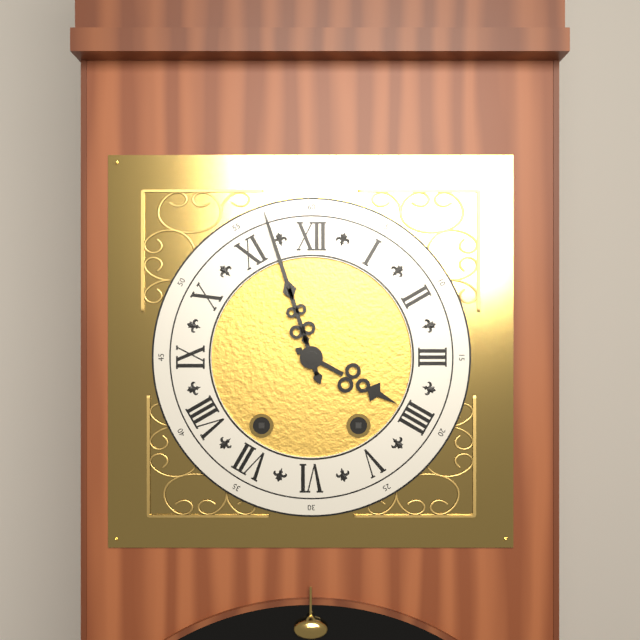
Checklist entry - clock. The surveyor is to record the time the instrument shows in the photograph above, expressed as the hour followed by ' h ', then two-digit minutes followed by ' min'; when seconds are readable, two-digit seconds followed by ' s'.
3 h 57 min
